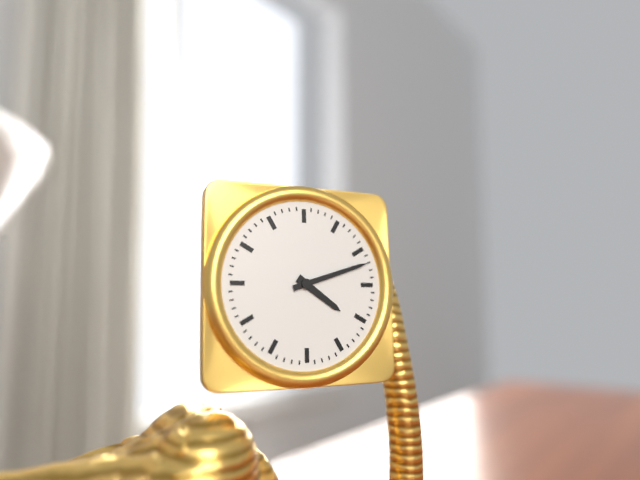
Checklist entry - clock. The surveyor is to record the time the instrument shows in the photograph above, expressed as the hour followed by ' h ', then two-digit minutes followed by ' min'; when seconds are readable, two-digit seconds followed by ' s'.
4 h 12 min
